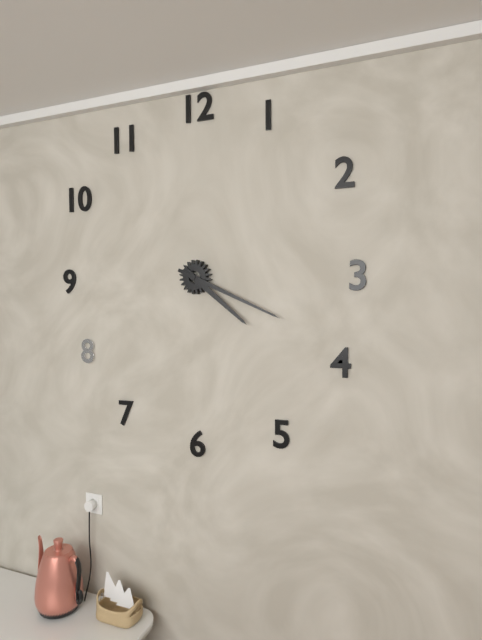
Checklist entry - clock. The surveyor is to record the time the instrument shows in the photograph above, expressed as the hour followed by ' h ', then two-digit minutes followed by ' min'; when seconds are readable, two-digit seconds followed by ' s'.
4 h 19 min
